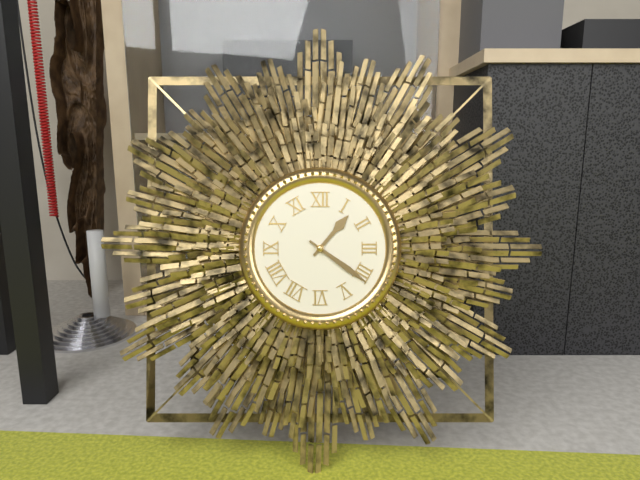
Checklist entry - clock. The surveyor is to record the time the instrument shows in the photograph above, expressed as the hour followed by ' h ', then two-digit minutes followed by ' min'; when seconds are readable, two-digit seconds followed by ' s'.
1 h 21 min
